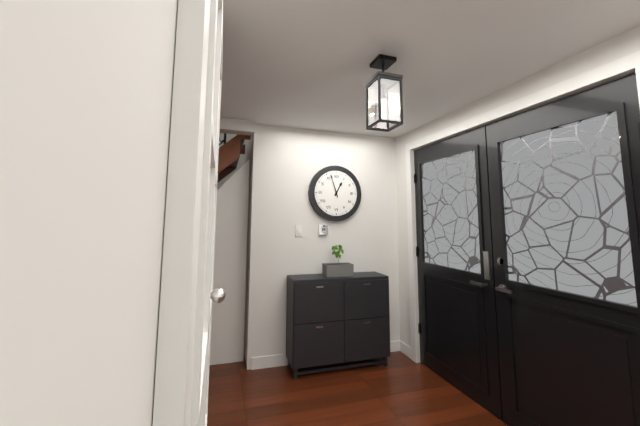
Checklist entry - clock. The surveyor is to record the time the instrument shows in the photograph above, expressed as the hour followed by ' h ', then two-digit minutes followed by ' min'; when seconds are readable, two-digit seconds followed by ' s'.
12 h 57 min
